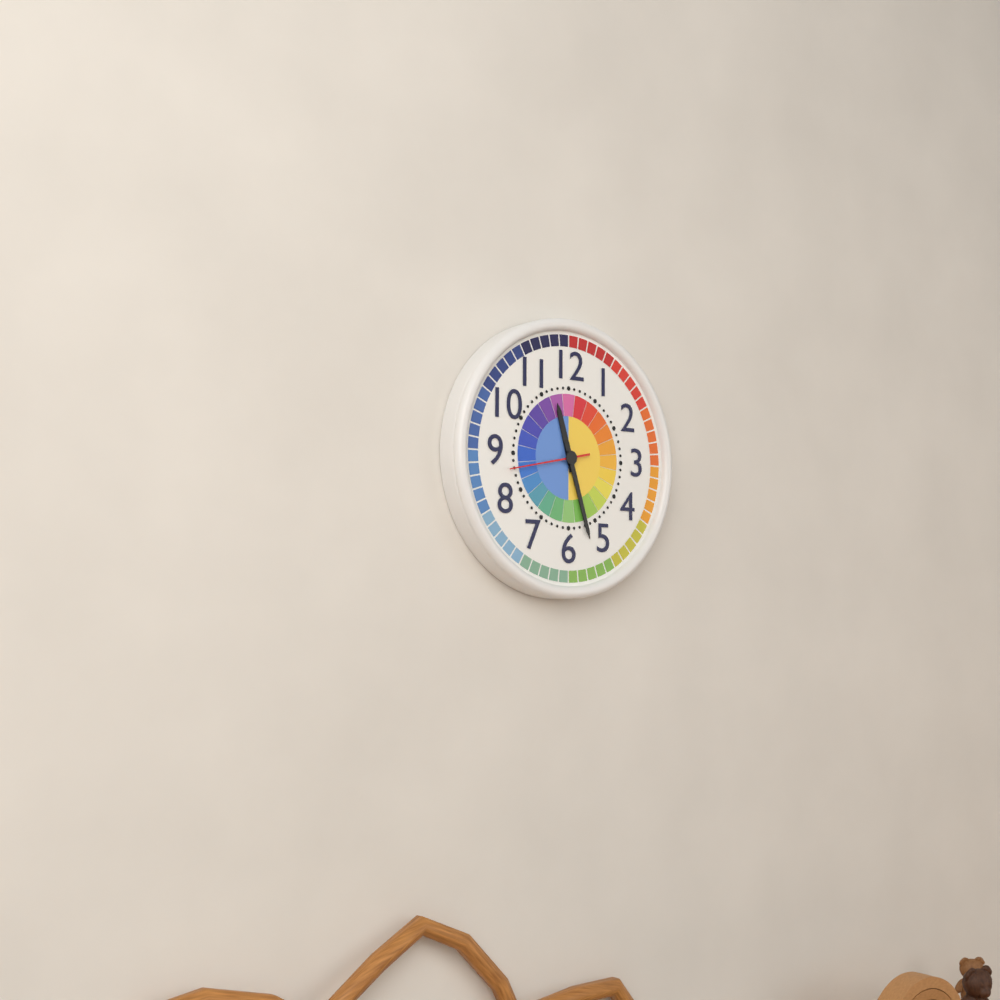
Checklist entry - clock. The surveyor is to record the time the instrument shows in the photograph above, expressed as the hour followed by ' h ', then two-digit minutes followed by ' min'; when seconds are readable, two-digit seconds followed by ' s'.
11 h 27 min 43 s
